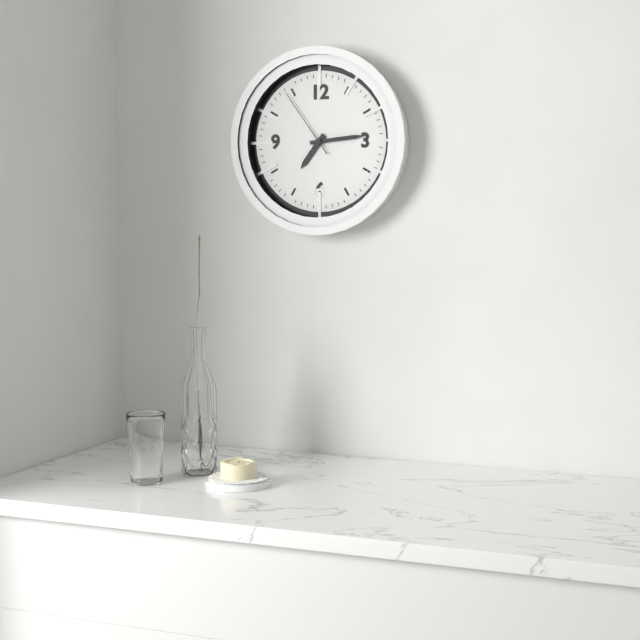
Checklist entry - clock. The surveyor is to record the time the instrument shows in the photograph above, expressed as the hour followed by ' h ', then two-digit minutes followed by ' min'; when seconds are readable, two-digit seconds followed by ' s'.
7 h 14 min 54 s
